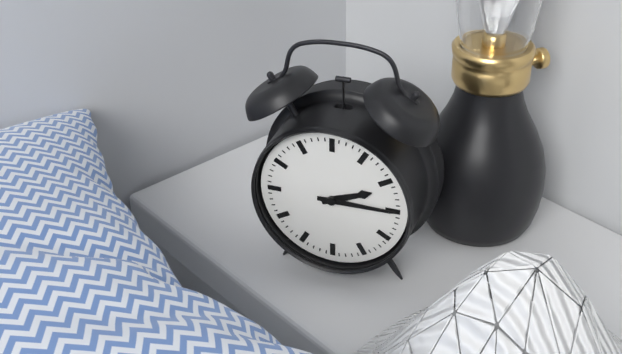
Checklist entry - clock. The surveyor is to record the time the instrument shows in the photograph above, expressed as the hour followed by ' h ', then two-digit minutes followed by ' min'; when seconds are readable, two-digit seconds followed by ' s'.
2 h 15 min
